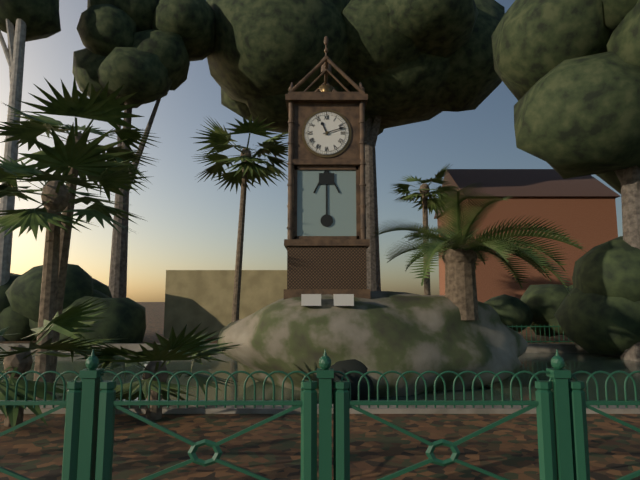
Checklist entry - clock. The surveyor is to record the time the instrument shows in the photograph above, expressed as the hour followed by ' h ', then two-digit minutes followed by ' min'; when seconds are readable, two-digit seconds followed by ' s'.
11 h 12 min
